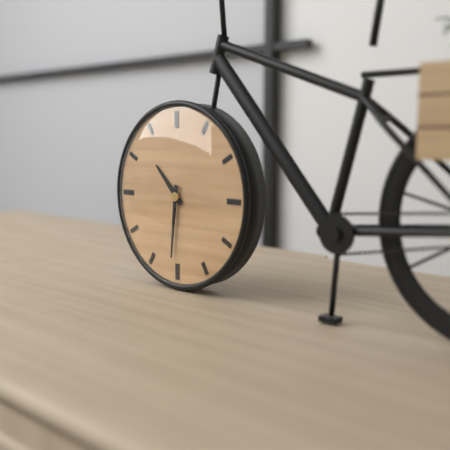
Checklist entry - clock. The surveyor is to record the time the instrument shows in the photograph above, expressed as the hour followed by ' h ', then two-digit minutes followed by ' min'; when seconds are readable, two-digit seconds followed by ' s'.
10 h 31 min
